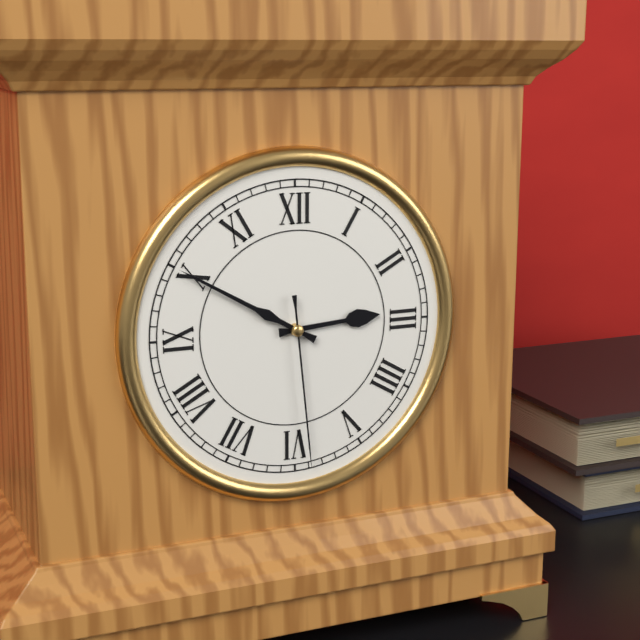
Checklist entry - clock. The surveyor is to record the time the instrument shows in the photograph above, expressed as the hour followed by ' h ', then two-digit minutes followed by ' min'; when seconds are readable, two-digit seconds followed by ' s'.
2 h 50 min 29 s
